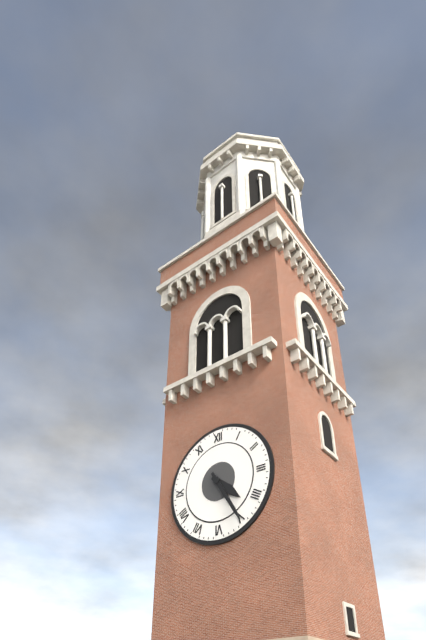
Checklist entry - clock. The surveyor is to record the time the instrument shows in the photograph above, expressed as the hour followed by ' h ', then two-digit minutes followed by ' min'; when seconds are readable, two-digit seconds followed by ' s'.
4 h 25 min
